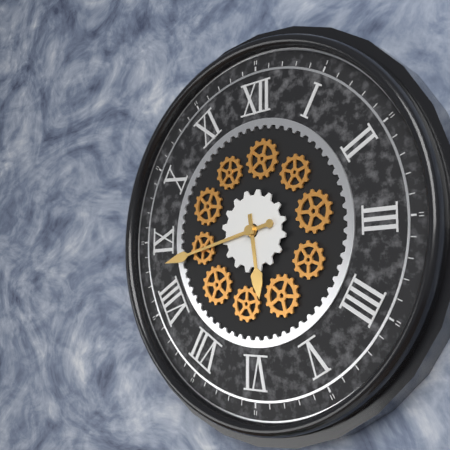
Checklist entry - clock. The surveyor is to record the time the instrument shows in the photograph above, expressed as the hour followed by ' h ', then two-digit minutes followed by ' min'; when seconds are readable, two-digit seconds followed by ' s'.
5 h 43 min
